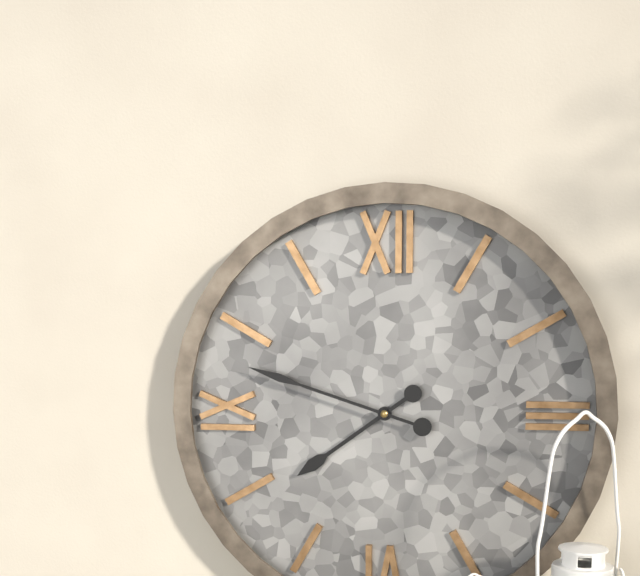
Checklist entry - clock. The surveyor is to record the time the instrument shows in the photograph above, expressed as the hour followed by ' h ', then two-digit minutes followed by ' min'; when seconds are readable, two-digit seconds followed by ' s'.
7 h 48 min
